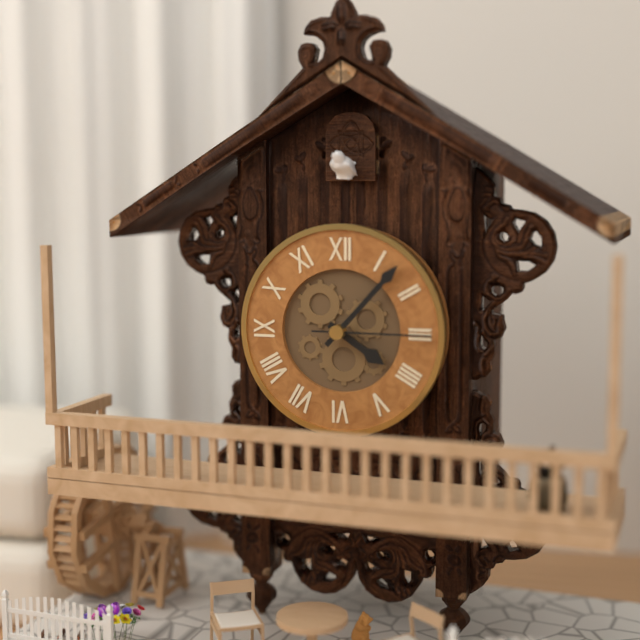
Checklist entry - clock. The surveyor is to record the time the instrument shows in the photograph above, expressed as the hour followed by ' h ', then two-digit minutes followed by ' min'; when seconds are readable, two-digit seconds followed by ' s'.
4 h 07 min 15 s
